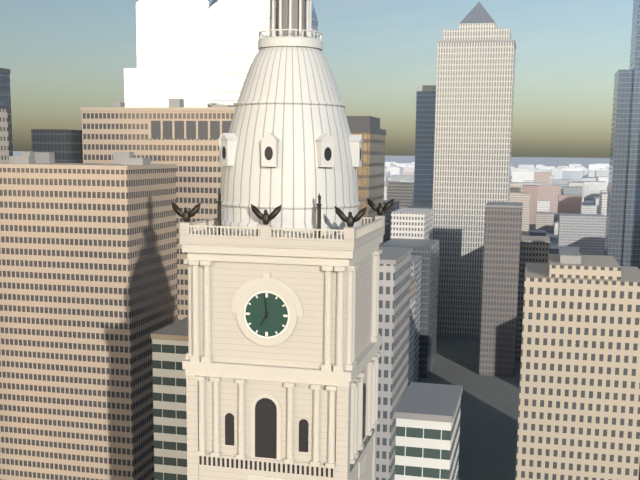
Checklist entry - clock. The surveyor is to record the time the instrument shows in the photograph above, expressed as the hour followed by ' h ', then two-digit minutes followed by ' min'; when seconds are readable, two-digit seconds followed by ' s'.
6 h 59 min
